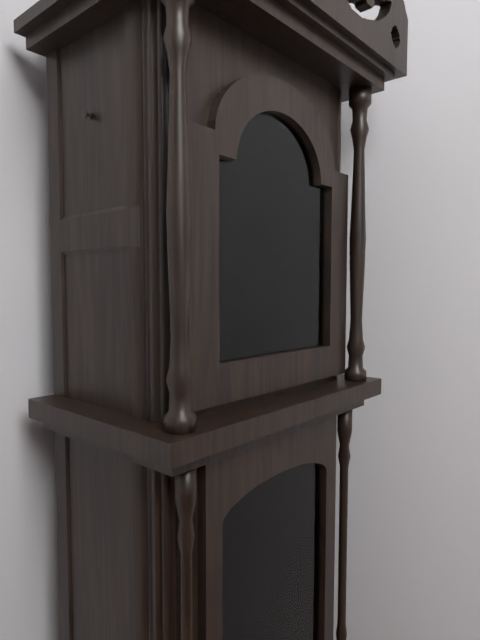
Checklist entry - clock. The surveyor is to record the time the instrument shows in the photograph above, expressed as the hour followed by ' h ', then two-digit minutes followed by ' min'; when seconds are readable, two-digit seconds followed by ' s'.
7 h 28 min
